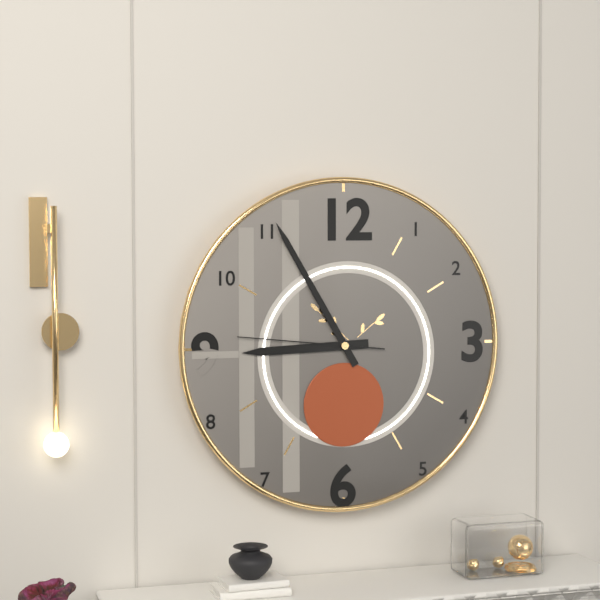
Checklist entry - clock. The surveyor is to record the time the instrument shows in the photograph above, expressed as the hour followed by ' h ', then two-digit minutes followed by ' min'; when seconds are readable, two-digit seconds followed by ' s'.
8 h 55 min 46 s
